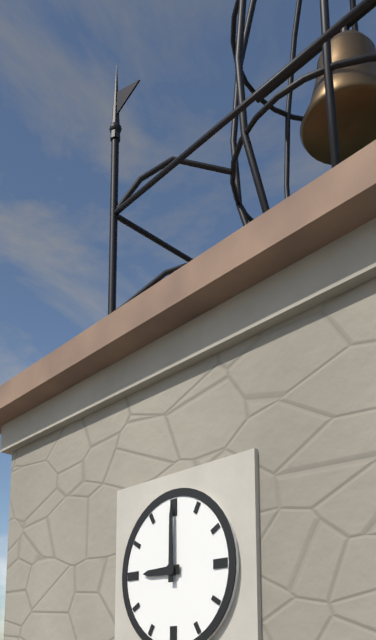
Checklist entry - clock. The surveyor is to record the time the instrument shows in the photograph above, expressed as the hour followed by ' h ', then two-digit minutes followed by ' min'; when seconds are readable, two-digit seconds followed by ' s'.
9 h 00 min
